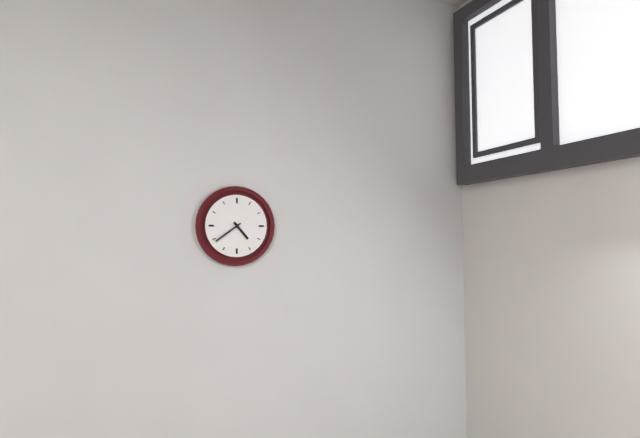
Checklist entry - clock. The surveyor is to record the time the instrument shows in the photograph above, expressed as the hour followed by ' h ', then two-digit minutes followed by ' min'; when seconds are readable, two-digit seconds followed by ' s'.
4 h 39 min
